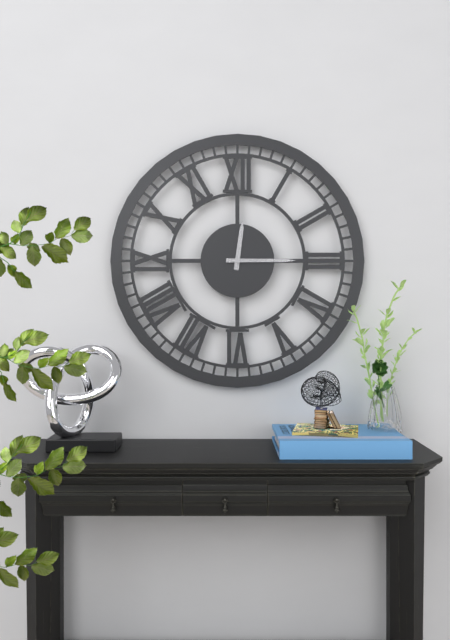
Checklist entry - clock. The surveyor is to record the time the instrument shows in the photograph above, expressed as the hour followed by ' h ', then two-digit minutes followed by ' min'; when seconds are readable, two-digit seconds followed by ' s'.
12 h 15 min
